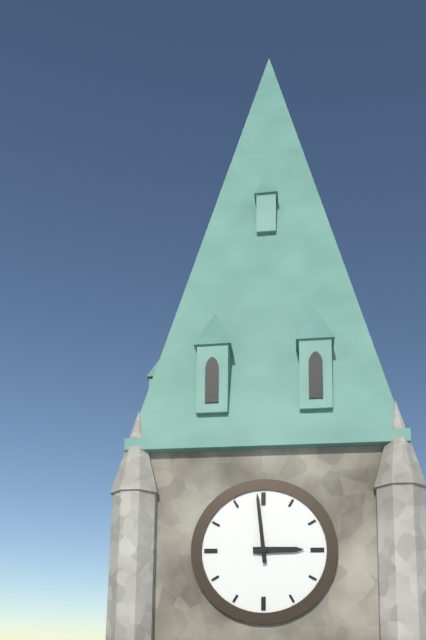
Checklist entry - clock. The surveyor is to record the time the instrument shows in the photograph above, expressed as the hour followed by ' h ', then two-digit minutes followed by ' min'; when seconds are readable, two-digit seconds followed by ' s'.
2 h 59 min
